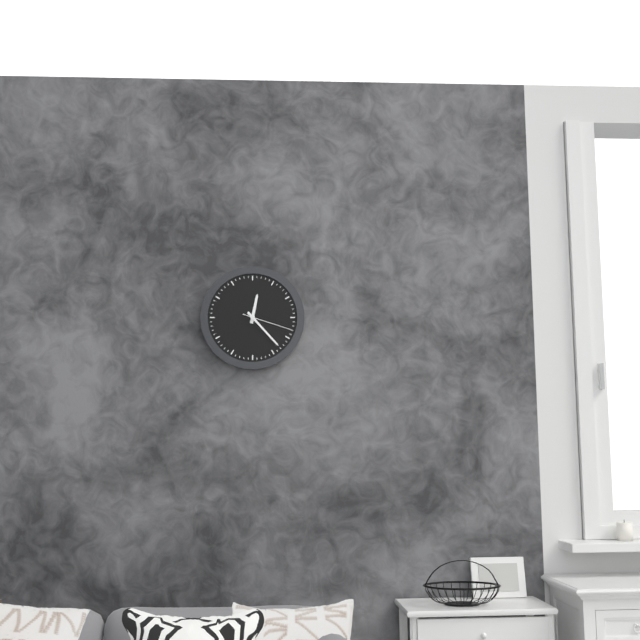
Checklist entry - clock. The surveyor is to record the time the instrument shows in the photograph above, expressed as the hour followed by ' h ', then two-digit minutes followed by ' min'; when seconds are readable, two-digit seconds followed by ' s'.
12 h 23 min 18 s
